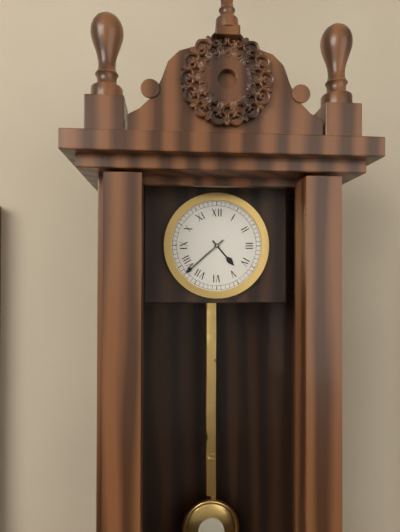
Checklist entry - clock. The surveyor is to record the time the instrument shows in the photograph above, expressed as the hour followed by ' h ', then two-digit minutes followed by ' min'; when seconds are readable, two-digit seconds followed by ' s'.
4 h 38 min
